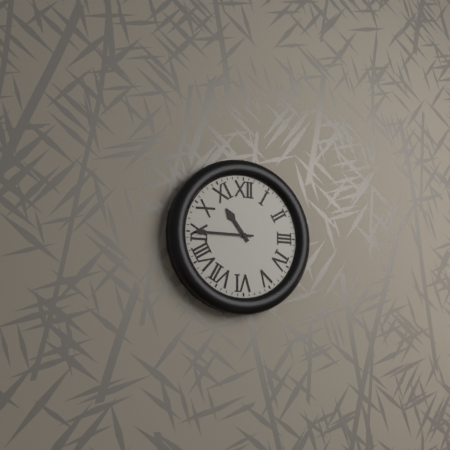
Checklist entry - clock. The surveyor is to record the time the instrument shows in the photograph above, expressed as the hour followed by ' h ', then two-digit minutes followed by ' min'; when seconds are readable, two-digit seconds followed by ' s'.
10 h 45 min
